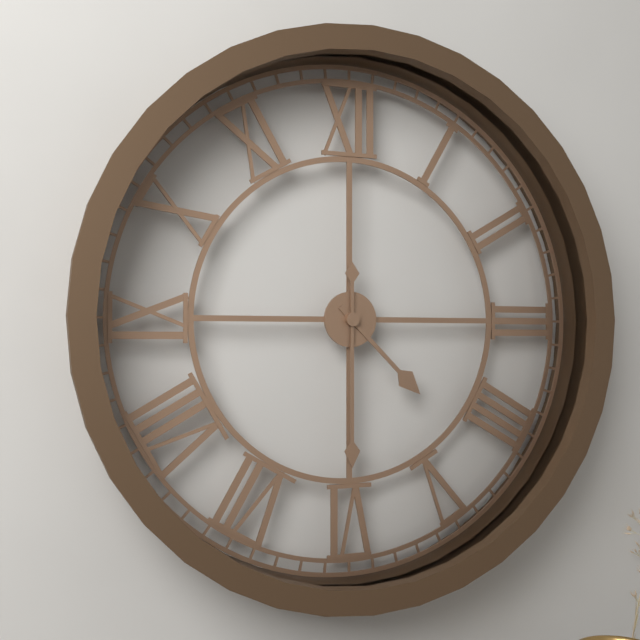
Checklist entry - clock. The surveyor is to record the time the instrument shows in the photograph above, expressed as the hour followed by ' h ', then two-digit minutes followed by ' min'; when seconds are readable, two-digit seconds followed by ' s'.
4 h 30 min
